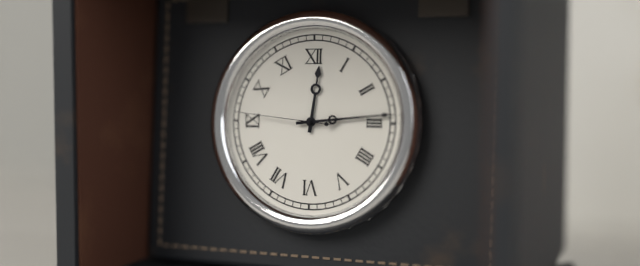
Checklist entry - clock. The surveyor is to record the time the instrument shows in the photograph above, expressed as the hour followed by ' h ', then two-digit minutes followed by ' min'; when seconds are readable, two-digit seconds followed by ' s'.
12 h 14 min 46 s
